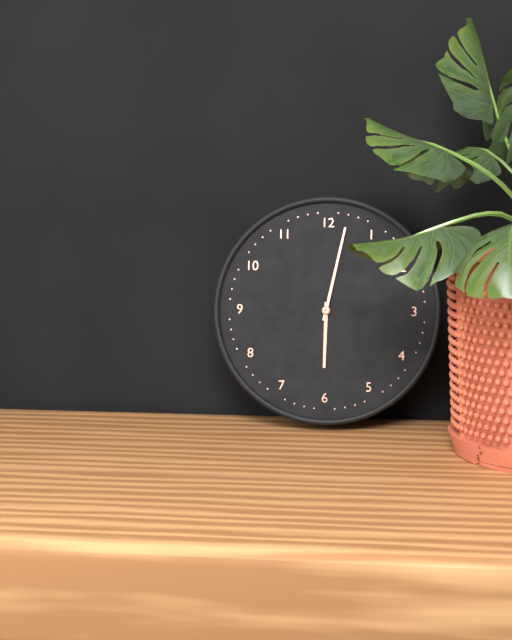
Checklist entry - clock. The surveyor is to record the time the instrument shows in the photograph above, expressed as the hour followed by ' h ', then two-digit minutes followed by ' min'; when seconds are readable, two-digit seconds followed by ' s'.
6 h 02 min
